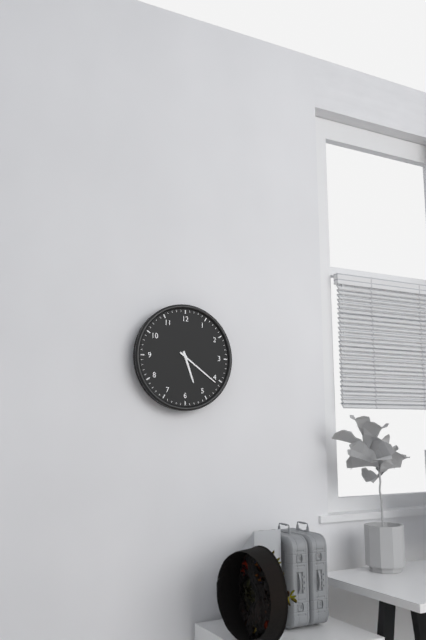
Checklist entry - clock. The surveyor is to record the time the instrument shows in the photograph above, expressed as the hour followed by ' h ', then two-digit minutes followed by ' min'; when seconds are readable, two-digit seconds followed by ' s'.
5 h 21 min
